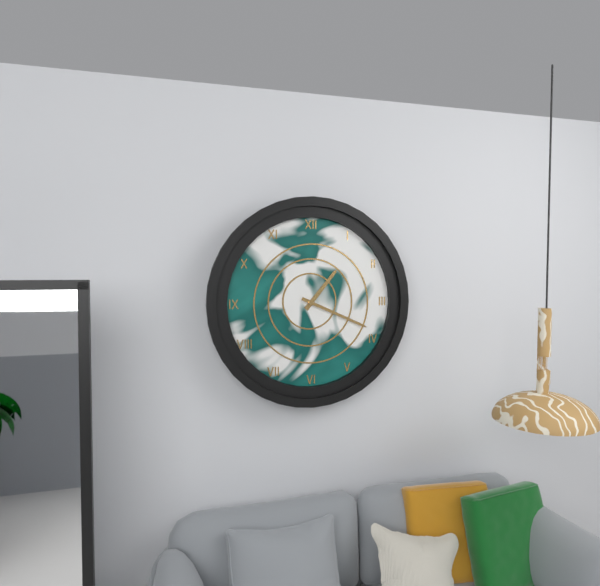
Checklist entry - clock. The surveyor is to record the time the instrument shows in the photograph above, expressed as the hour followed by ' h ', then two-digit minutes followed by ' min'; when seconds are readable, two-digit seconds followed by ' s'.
1 h 19 min
